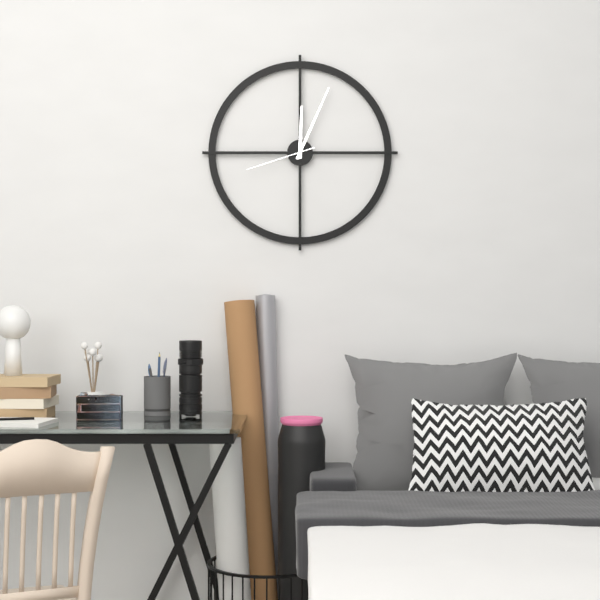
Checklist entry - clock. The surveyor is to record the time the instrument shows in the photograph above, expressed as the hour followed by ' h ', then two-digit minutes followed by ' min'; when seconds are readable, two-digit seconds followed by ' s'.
12 h 04 min 42 s
